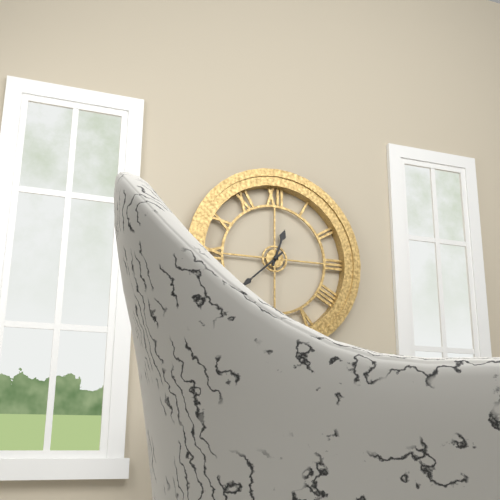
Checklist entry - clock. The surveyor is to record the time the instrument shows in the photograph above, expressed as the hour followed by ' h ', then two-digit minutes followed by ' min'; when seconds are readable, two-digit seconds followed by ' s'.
12 h 38 min
